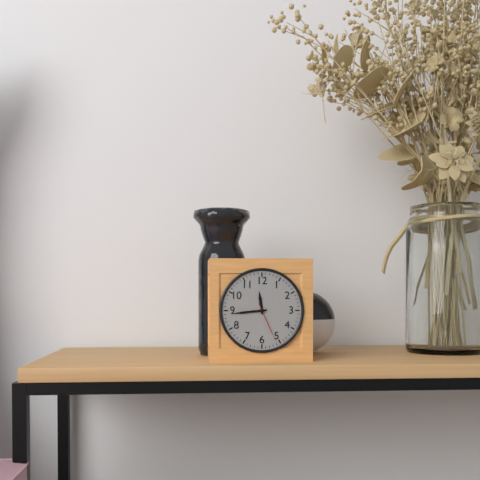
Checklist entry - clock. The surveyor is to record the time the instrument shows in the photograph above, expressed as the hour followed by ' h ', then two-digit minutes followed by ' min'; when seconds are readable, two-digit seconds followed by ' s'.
11 h 44 min
